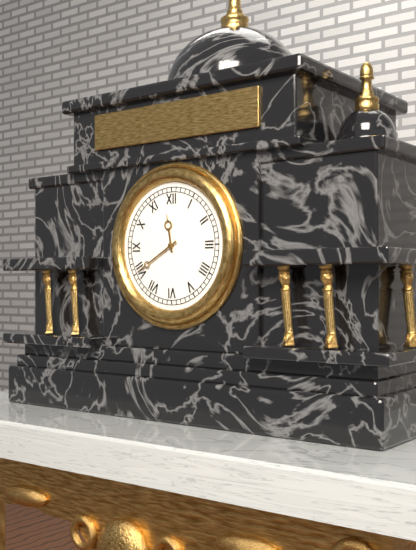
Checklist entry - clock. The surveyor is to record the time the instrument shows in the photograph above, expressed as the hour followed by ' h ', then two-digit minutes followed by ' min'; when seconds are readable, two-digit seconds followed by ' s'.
11 h 40 min
